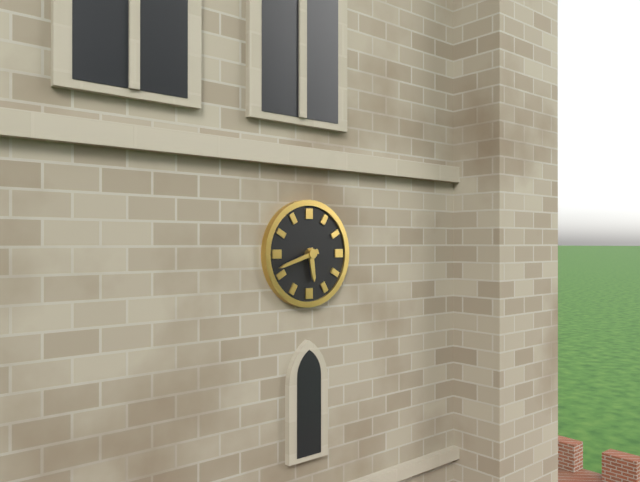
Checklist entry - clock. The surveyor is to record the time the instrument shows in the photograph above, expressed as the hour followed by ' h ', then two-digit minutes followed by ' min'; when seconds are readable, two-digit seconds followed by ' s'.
5 h 42 min
